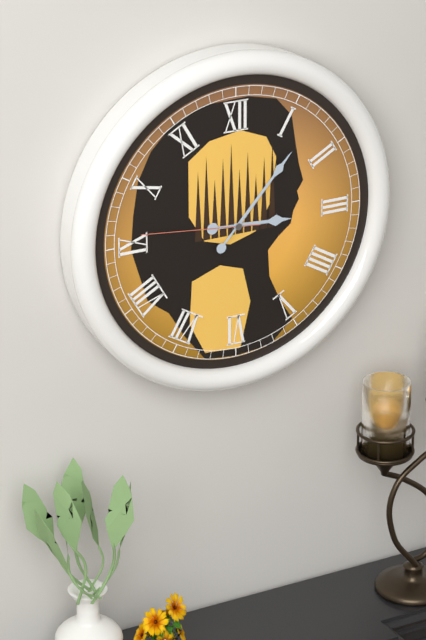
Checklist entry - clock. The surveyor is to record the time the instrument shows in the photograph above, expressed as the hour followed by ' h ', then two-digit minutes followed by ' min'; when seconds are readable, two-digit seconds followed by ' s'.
3 h 07 min 46 s
